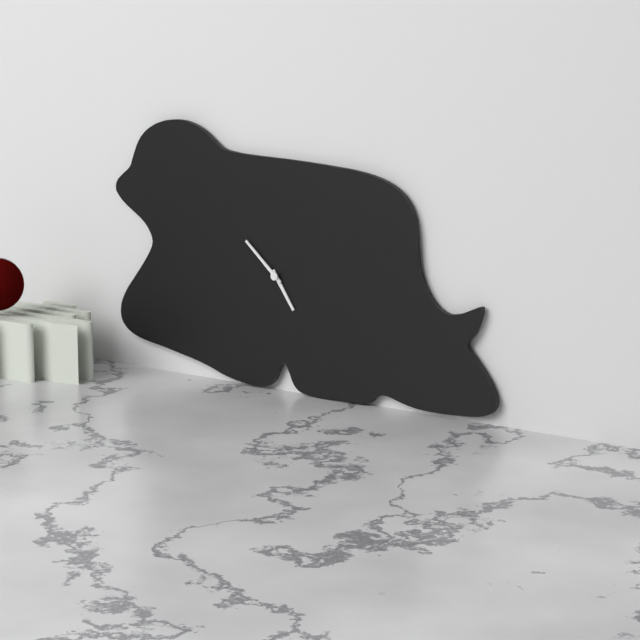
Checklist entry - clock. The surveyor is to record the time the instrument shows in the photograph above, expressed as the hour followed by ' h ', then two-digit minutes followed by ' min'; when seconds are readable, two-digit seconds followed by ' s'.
4 h 52 min
